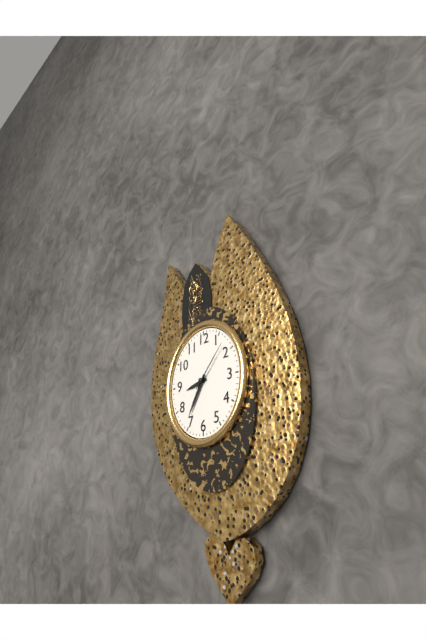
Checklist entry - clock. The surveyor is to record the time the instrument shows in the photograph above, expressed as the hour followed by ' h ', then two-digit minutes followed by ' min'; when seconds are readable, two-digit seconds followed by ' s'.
8 h 35 min 07 s
